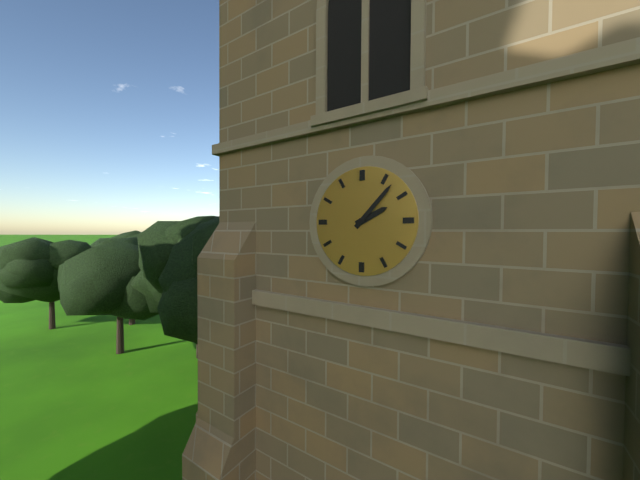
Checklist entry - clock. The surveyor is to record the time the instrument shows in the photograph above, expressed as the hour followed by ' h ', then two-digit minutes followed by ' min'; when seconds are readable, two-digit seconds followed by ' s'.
2 h 07 min
